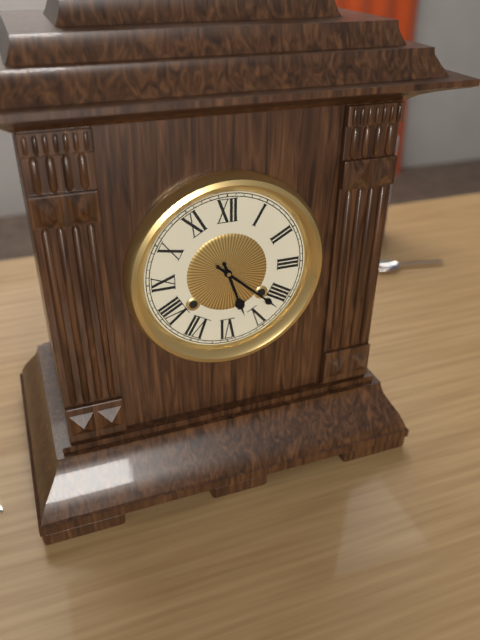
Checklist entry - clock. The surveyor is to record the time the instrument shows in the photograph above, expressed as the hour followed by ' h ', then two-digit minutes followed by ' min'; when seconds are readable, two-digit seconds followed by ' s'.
5 h 22 min
